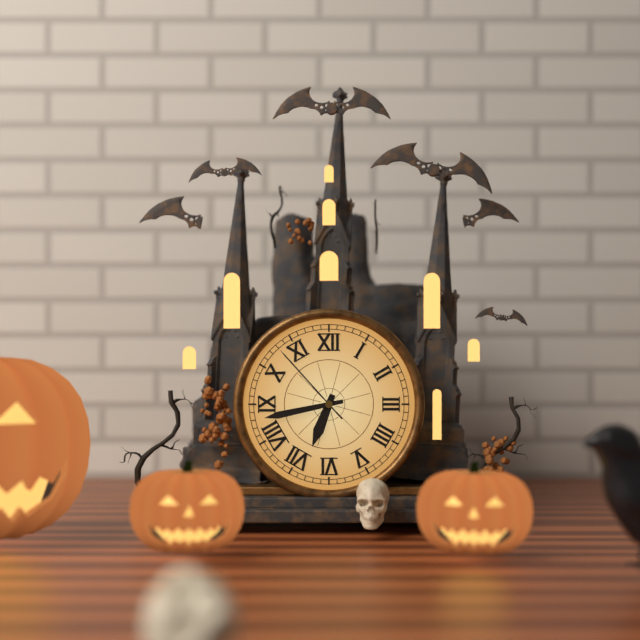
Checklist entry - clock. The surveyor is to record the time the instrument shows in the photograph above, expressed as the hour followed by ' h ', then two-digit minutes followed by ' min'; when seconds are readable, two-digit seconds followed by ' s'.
6 h 43 min 53 s
